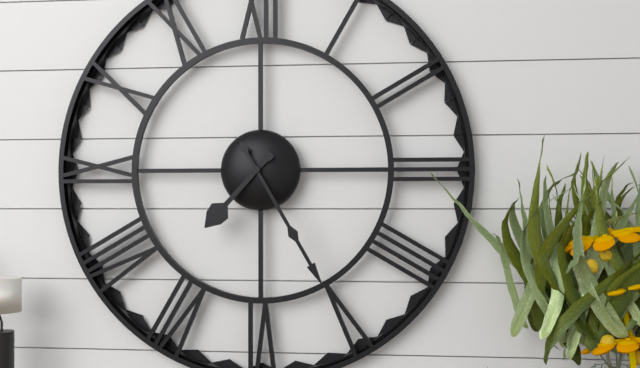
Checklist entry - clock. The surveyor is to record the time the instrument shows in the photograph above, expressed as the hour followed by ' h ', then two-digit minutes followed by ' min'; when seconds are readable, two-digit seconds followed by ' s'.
7 h 25 min
